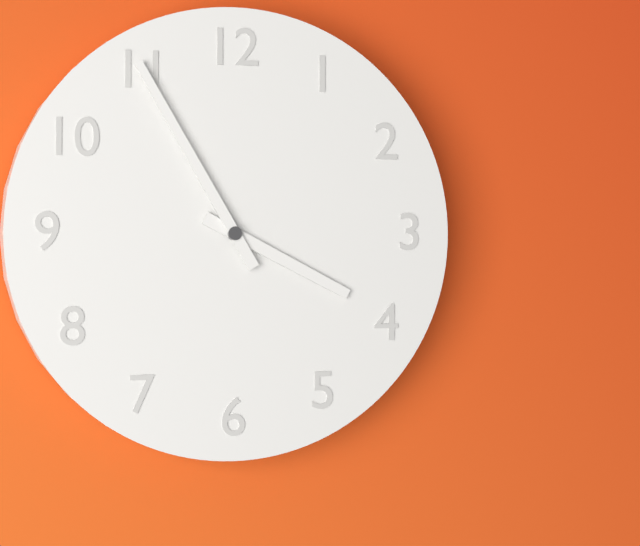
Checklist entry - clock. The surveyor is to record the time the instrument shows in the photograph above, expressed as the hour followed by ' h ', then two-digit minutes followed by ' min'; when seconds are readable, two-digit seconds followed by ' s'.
3 h 55 min
